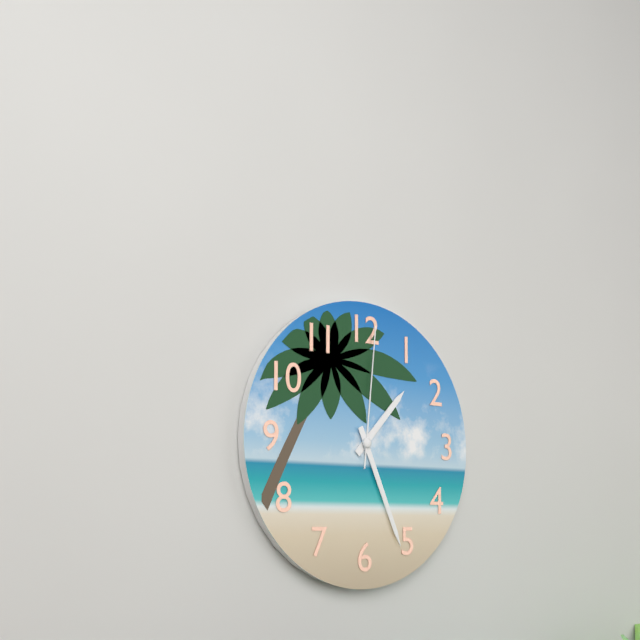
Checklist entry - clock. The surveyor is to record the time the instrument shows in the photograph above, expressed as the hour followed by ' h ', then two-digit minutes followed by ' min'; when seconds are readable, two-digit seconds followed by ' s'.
1 h 26 min 01 s
